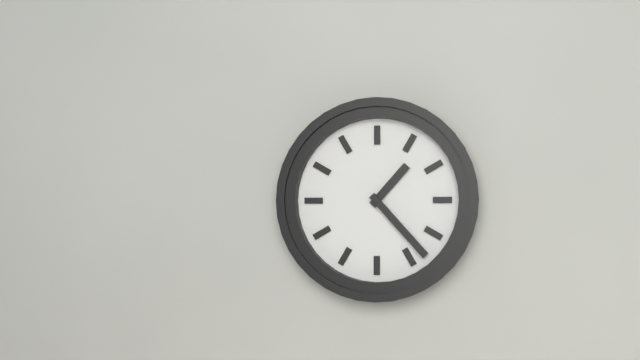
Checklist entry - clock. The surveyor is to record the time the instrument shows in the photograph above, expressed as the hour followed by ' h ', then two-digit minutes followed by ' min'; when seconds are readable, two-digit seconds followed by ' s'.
1 h 23 min
